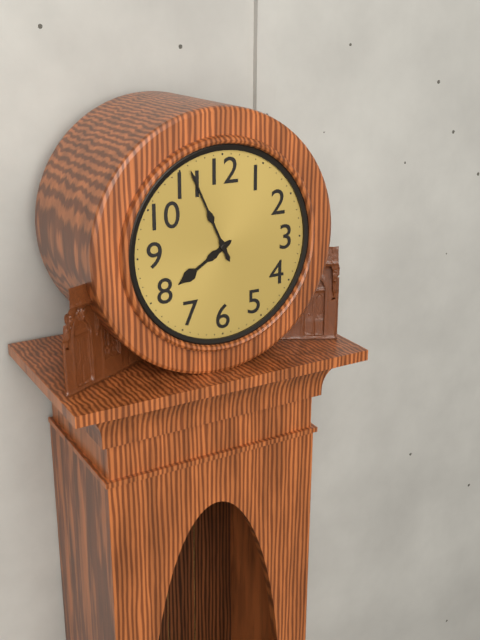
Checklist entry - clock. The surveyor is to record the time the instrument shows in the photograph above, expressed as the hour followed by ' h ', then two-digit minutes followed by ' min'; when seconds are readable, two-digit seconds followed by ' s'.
7 h 56 min
